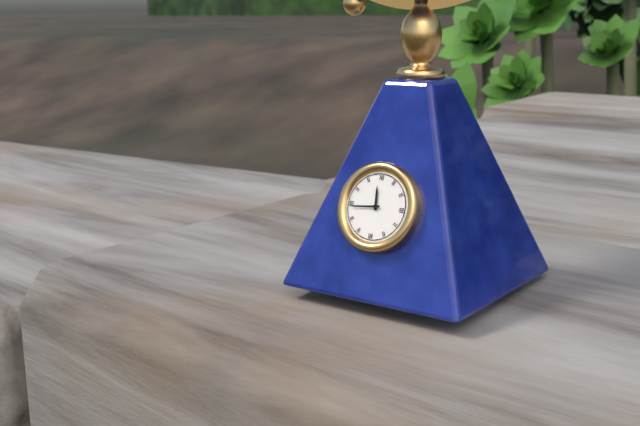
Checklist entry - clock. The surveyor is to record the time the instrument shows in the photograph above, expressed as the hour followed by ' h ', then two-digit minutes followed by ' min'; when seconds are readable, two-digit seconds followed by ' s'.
11 h 44 min
